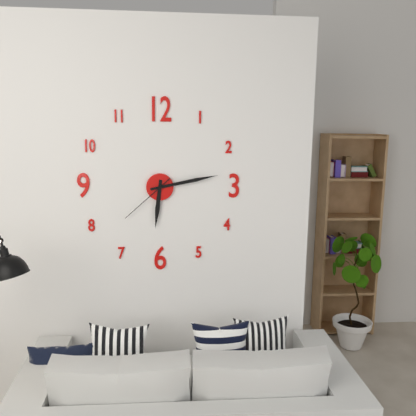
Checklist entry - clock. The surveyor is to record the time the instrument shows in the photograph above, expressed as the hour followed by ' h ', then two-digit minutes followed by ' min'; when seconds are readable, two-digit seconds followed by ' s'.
6 h 13 min 38 s
